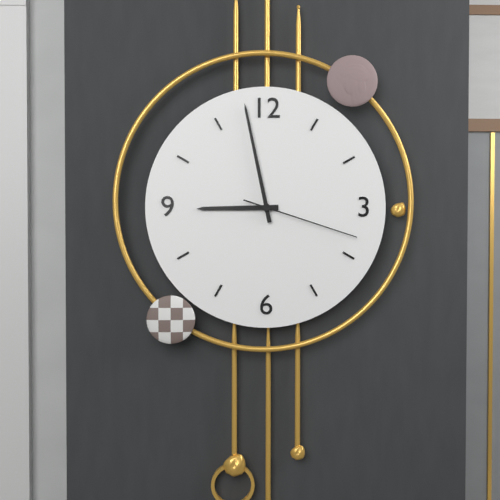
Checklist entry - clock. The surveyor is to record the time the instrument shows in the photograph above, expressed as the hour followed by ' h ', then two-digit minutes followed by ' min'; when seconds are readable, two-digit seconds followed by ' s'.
8 h 58 min 18 s
